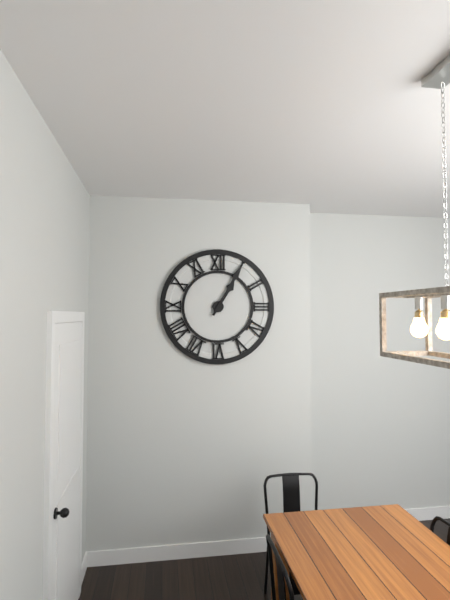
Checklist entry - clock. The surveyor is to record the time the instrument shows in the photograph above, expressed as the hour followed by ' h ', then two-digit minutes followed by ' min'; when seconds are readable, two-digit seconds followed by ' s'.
1 h 05 min
